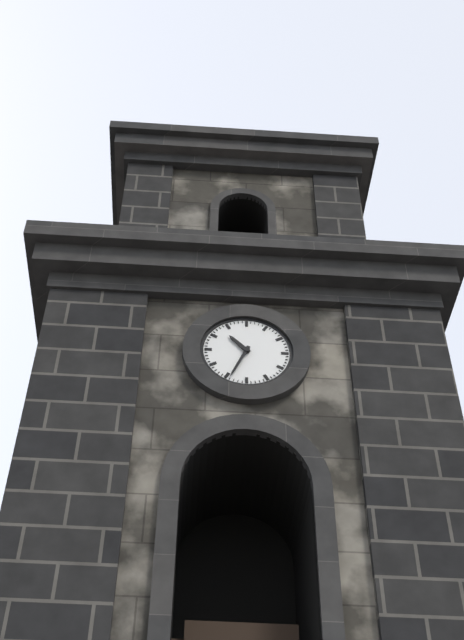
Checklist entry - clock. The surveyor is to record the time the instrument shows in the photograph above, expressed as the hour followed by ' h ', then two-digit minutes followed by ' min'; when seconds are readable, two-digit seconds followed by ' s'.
10 h 34 min
